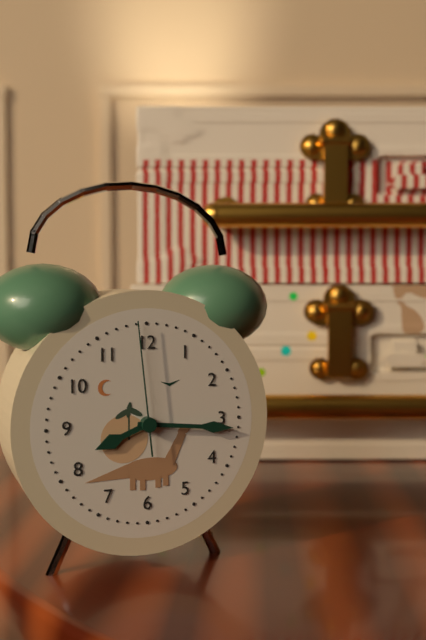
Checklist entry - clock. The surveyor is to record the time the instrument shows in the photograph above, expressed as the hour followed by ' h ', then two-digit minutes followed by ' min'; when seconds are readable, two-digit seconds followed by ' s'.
8 h 16 min 59 s
